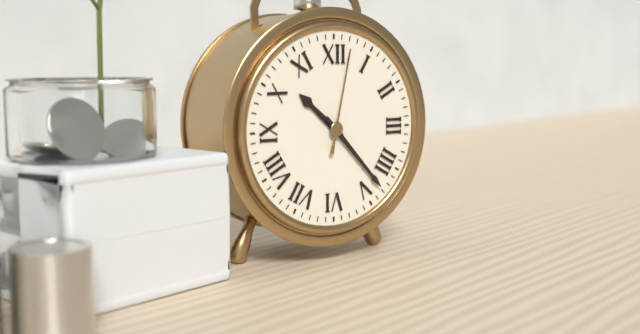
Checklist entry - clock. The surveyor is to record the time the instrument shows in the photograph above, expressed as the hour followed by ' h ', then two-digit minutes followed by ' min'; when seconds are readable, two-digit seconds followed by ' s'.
10 h 23 min 02 s
